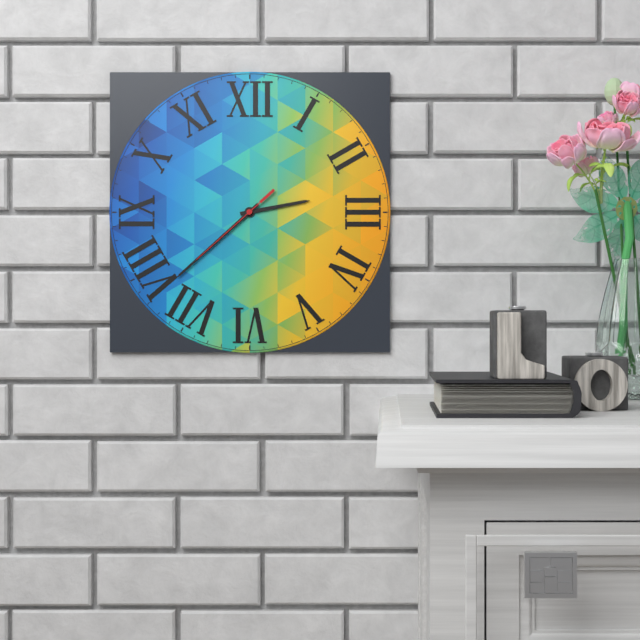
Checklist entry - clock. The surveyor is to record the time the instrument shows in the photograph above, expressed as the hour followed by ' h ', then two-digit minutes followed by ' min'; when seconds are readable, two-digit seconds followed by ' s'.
2 h 38 min 38 s
